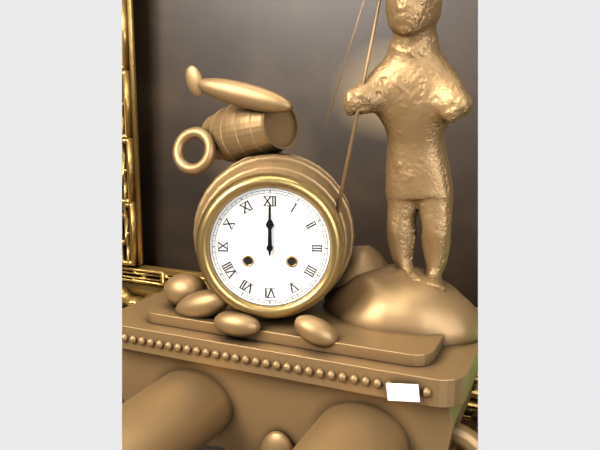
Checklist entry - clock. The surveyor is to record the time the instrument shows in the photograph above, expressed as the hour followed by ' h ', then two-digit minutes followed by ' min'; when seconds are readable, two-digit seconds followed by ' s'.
12 h 00 min
